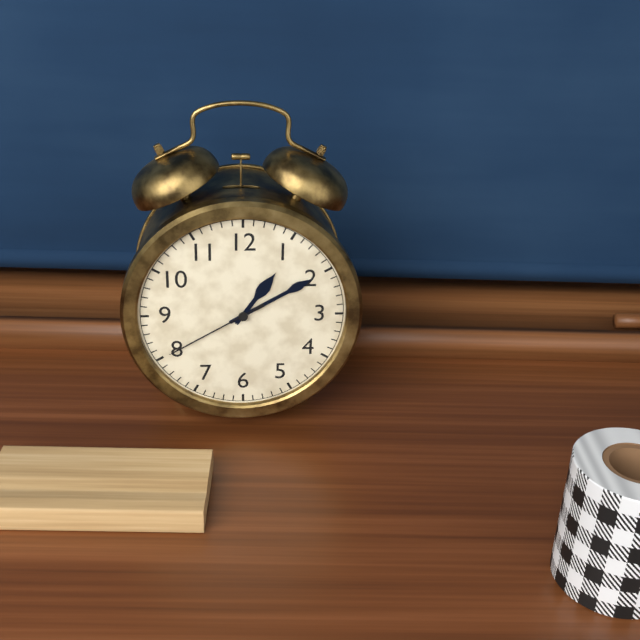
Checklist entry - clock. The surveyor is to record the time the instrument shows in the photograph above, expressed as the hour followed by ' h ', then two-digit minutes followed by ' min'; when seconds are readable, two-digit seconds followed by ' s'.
1 h 10 min 40 s
